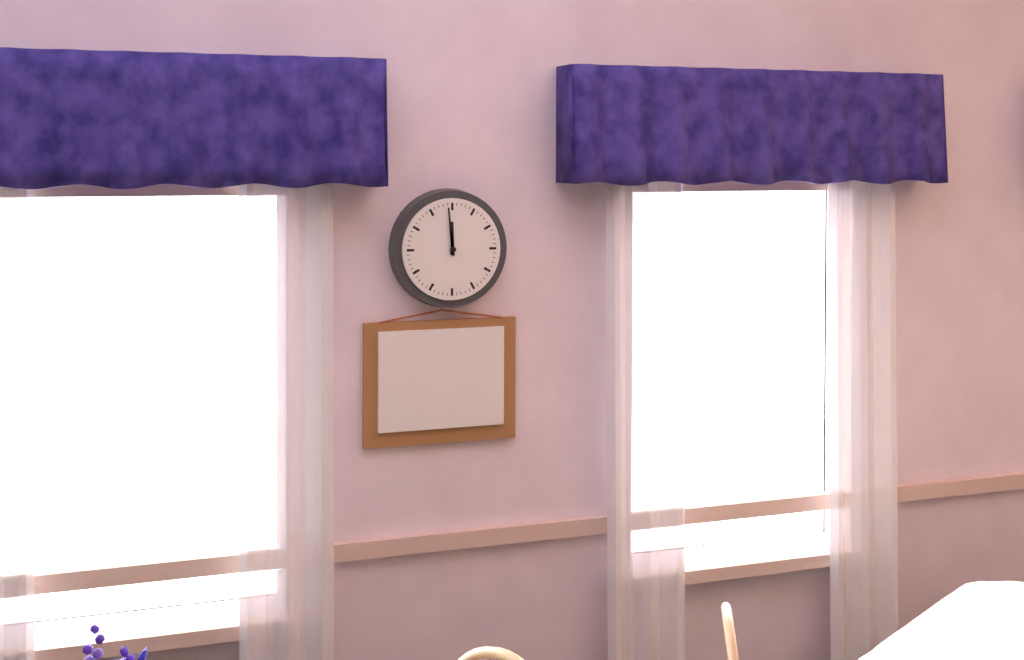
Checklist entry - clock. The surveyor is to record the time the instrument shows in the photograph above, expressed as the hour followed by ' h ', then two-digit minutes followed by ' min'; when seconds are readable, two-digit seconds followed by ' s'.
11 h 59 min
